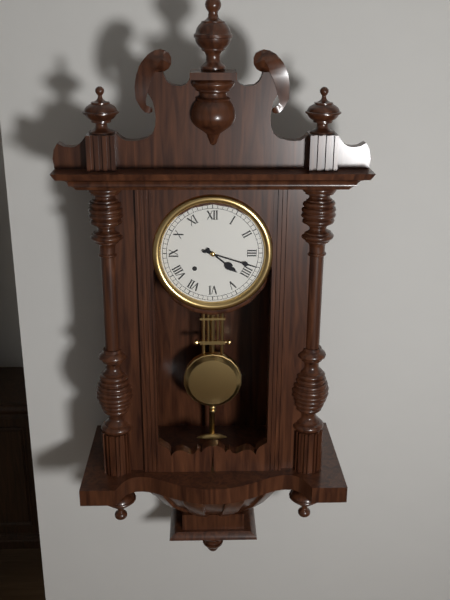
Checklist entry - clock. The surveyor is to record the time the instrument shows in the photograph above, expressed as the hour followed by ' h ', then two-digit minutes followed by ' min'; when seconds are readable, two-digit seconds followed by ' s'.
4 h 18 min
